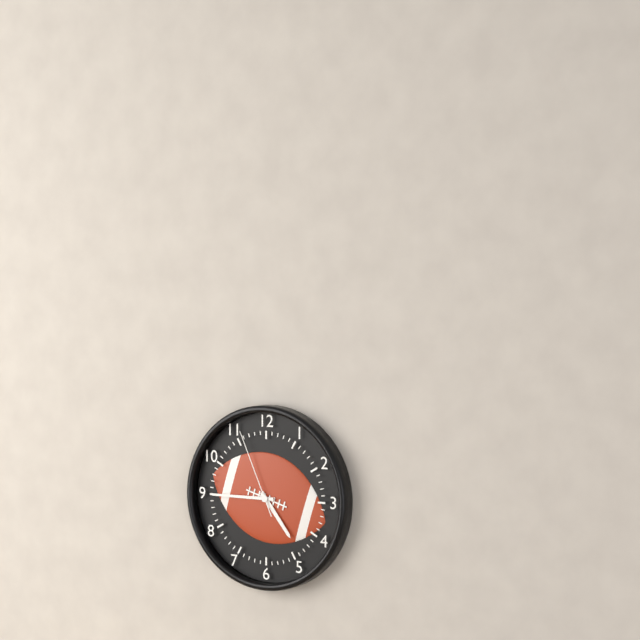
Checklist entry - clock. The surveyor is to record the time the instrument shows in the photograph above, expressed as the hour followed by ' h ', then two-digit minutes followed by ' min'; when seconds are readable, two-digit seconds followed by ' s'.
4 h 45 min 56 s
